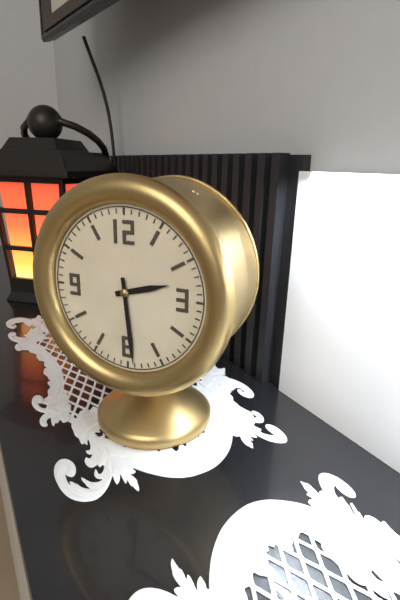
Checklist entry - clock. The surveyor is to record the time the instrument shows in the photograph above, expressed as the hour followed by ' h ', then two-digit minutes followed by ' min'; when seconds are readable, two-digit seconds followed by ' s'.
2 h 29 min
